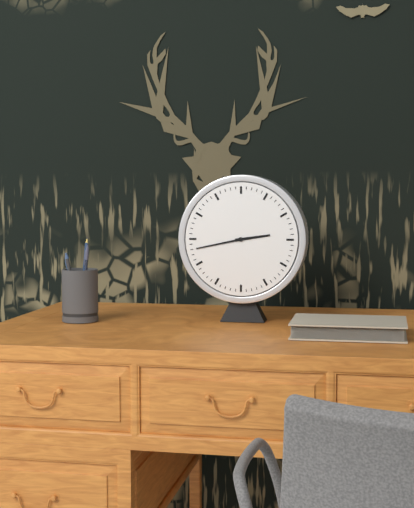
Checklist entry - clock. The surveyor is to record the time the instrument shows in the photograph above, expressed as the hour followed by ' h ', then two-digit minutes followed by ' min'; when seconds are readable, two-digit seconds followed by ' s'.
2 h 43 min
